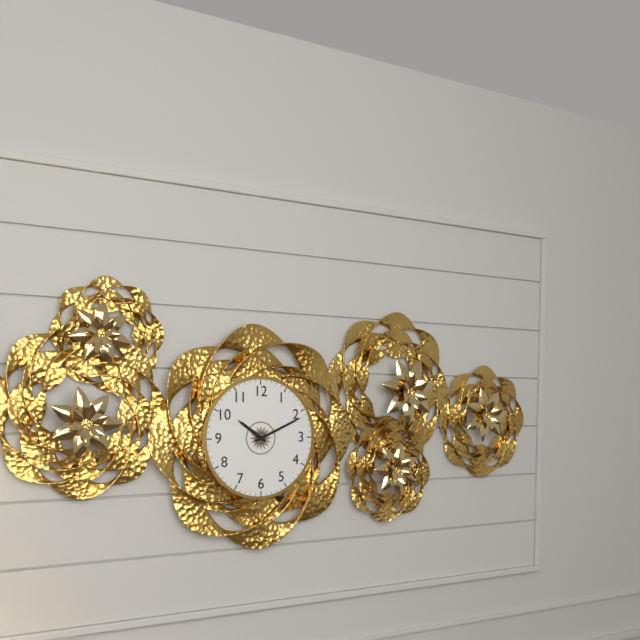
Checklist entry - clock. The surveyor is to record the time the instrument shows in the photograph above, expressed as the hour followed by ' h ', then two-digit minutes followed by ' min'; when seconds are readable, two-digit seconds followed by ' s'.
10 h 11 min
